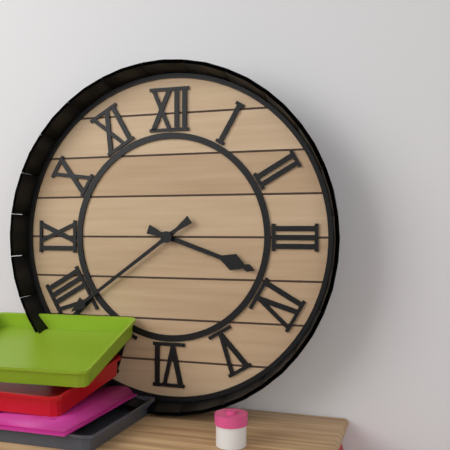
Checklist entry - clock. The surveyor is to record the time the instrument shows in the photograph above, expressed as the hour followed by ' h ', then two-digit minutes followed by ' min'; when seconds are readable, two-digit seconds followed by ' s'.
3 h 39 min
